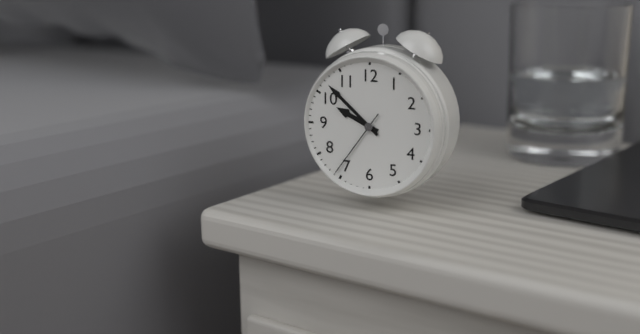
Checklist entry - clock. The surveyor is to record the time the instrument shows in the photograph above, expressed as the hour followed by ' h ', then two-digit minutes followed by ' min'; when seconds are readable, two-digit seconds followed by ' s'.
9 h 52 min 36 s
